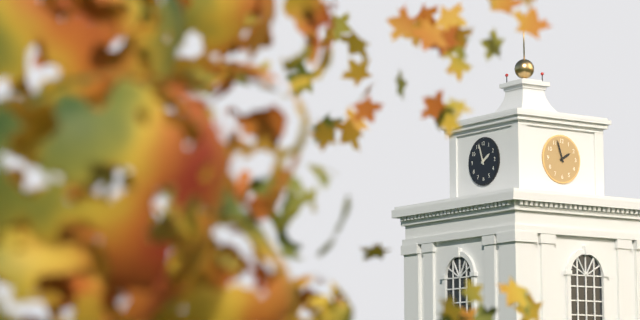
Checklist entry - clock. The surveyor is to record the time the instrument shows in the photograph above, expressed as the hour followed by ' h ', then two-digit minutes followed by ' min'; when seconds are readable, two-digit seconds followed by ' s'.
1 h 57 min
